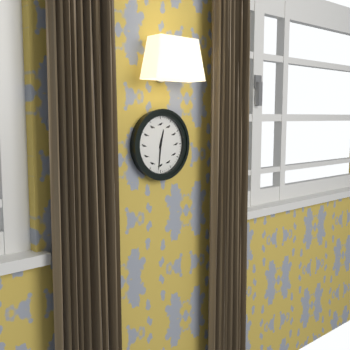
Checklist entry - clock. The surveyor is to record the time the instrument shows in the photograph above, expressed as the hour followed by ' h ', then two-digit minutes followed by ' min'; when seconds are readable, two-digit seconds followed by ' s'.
12 h 31 min
